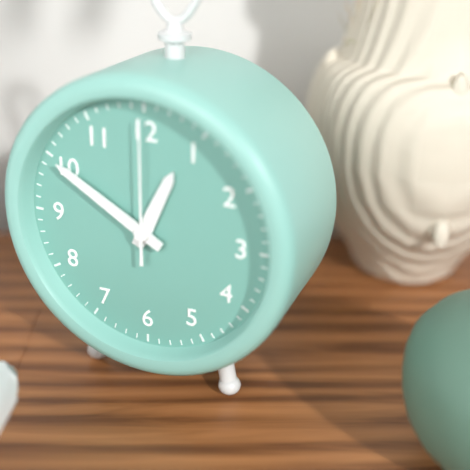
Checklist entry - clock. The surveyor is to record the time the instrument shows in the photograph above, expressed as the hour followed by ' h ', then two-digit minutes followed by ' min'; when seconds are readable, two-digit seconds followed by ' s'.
12 h 50 min 00 s
